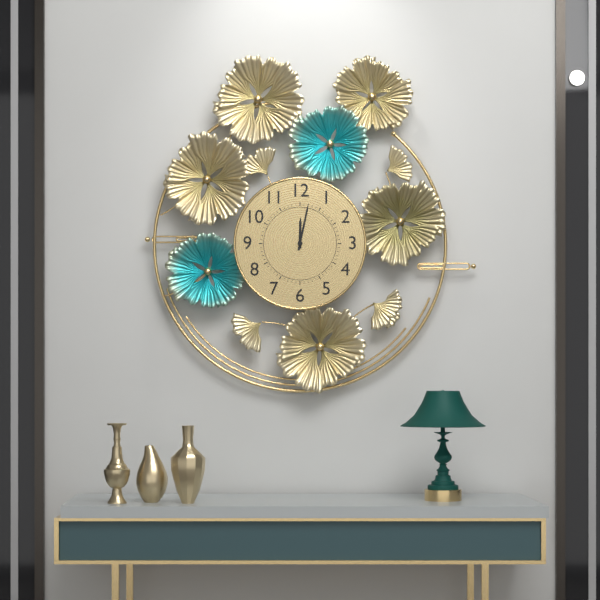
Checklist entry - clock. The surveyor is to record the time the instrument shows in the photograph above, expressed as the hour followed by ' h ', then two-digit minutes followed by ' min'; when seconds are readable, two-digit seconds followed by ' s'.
12 h 02 min
